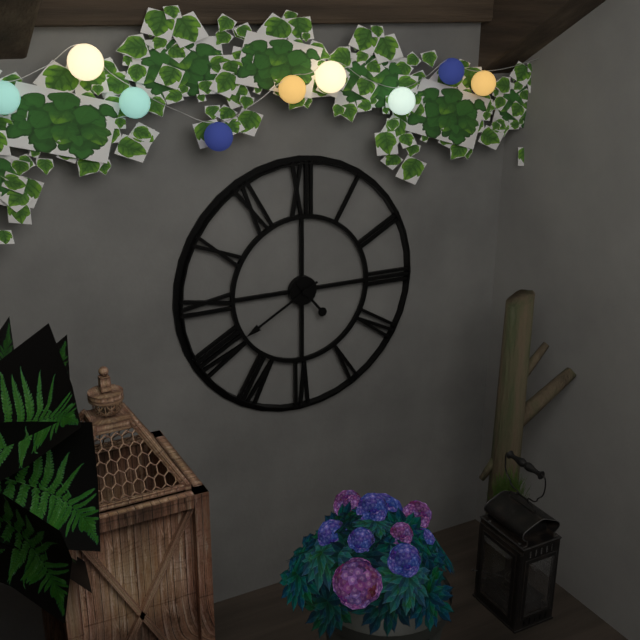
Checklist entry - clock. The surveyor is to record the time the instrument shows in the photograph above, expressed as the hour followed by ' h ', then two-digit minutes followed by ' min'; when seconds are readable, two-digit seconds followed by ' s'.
4 h 40 min
